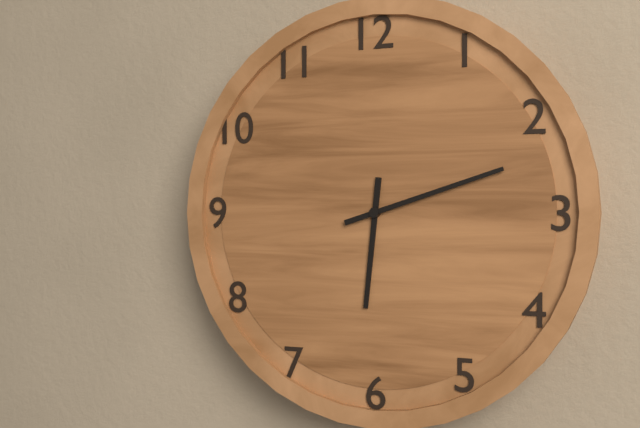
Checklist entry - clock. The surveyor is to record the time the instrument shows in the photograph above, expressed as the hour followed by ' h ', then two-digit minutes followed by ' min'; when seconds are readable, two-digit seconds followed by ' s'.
6 h 12 min
